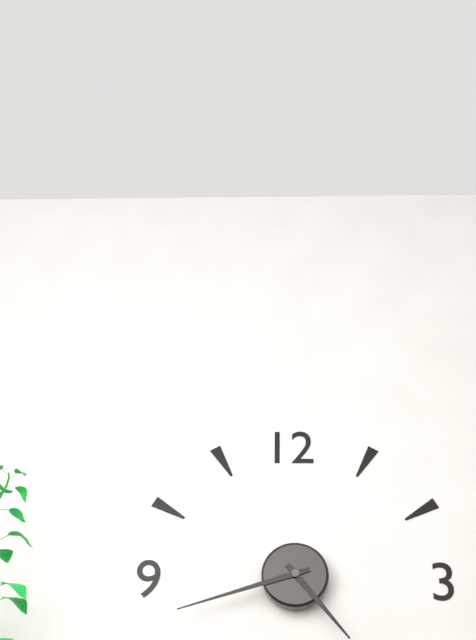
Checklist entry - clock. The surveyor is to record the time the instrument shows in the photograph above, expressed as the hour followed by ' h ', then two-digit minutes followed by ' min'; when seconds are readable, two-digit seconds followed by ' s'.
4 h 42 min
